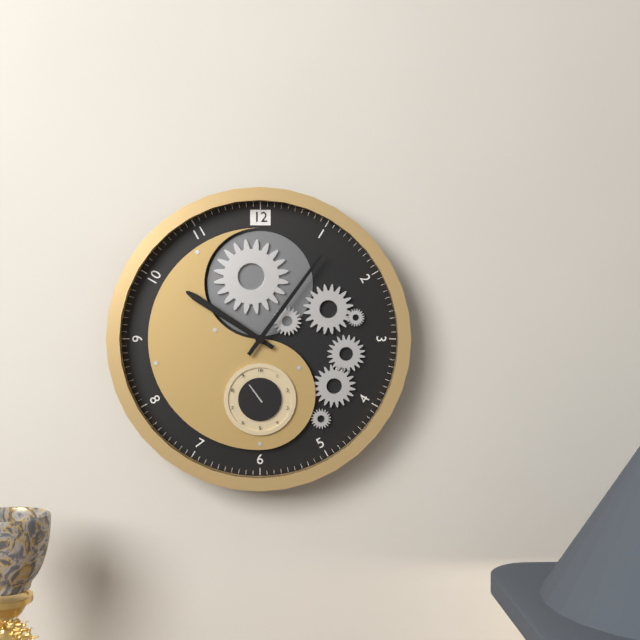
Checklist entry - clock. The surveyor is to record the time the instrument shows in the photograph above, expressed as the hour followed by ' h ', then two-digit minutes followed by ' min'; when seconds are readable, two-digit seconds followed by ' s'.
10 h 06 min
